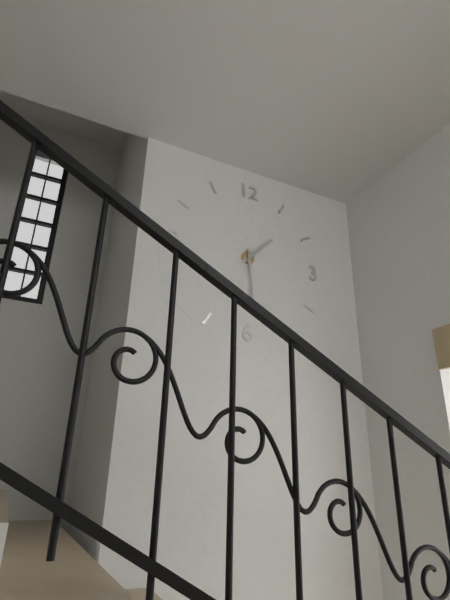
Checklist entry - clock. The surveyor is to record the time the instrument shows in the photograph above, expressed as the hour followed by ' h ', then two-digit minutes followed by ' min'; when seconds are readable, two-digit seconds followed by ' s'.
1 h 29 min
